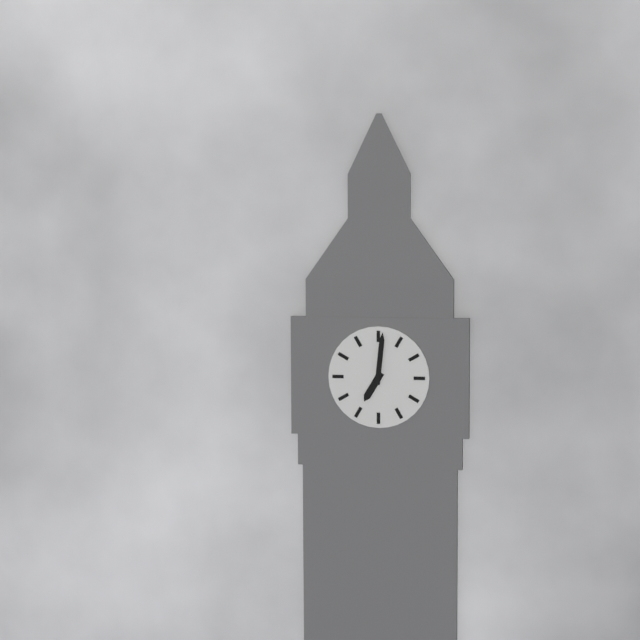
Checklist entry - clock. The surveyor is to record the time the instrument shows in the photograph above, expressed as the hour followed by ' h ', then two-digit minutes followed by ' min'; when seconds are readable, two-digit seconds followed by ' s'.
7 h 01 min
